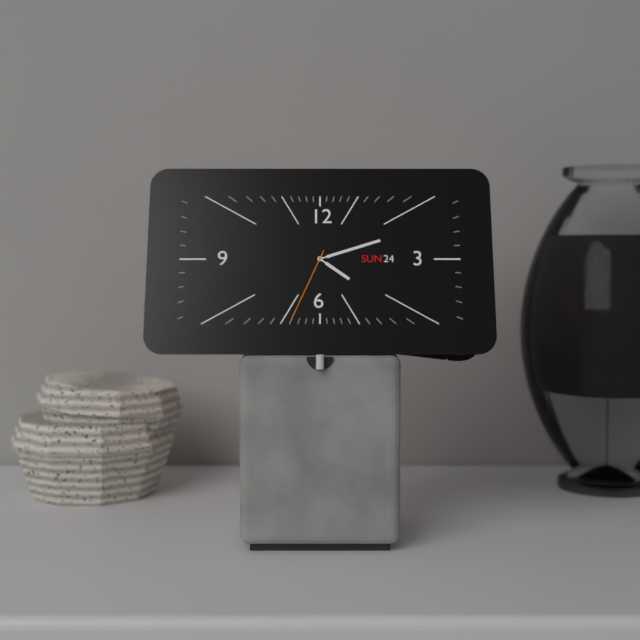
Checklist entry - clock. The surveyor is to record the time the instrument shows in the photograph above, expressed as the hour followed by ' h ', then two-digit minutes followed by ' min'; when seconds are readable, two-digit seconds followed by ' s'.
4 h 12 min 34 s
